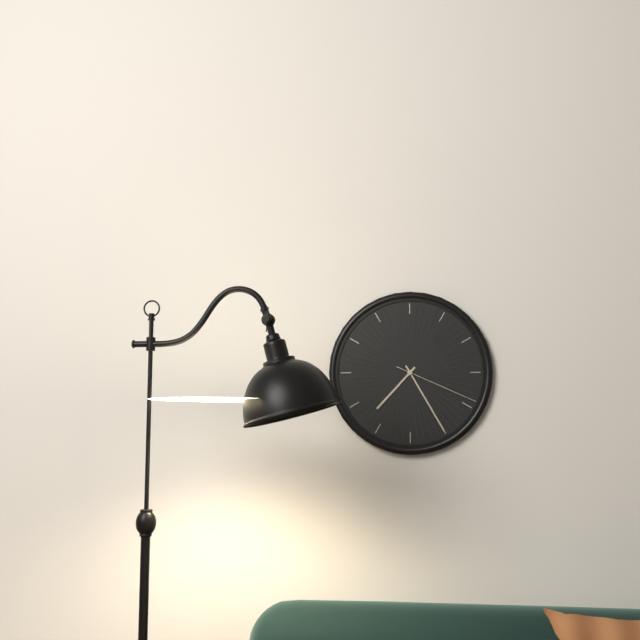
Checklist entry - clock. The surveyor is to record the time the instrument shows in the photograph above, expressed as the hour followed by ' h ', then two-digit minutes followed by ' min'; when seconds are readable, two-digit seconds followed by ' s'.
7 h 25 min 19 s
